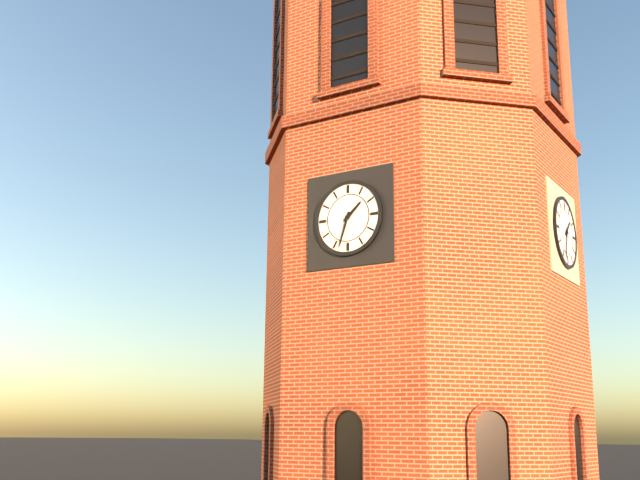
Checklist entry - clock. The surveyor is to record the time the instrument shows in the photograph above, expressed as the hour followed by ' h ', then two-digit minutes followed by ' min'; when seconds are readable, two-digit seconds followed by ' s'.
1 h 33 min
